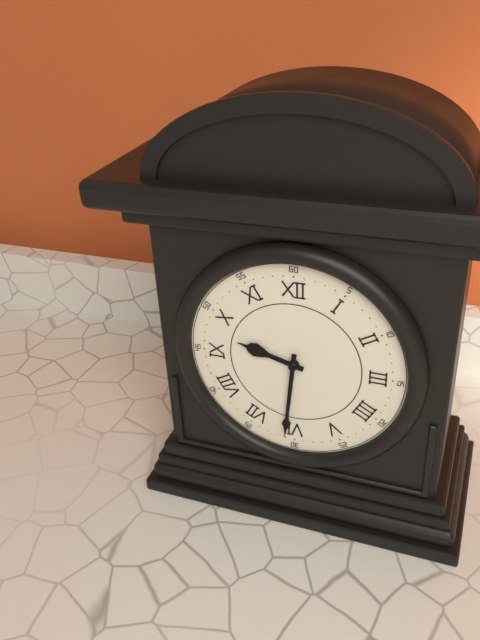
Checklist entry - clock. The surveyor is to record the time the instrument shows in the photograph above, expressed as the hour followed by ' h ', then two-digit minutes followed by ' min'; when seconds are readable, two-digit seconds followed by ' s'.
9 h 31 min
